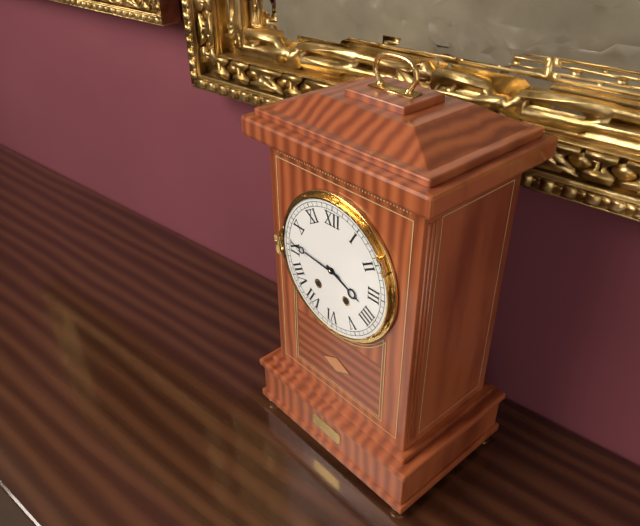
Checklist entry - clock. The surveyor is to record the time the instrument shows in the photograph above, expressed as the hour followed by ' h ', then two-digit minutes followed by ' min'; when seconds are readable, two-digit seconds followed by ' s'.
3 h 46 min
